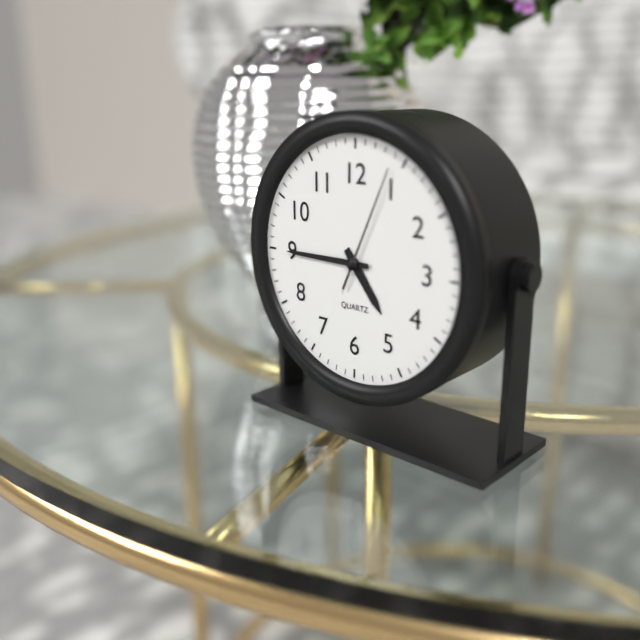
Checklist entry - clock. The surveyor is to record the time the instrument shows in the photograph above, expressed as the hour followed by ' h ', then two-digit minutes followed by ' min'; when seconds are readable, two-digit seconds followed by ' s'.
4 h 45 min 04 s
